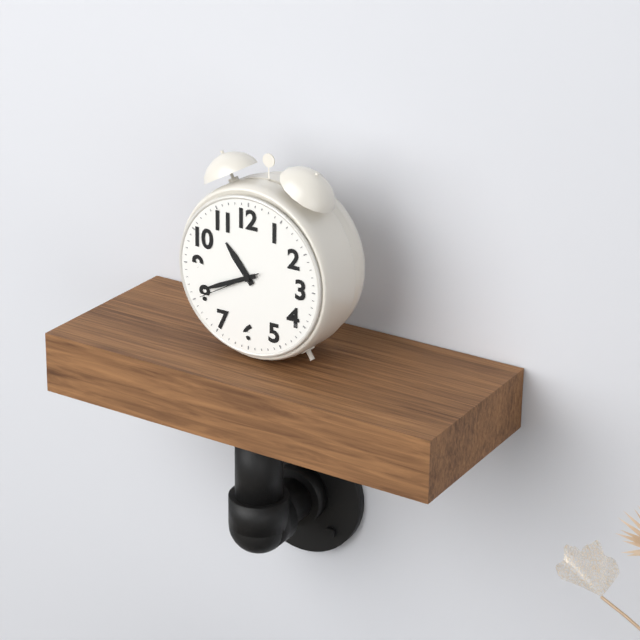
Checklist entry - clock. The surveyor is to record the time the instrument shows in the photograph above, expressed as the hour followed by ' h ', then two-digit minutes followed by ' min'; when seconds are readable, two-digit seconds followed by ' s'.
10 h 41 min 40 s
